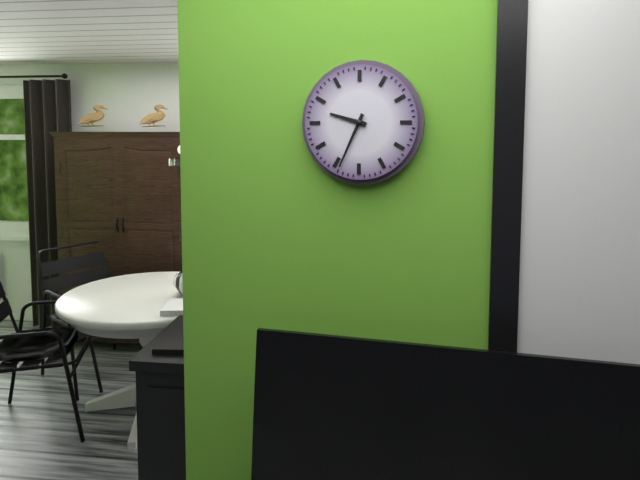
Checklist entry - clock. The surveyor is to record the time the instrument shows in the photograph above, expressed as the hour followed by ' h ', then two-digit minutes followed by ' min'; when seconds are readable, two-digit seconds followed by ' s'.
9 h 34 min
